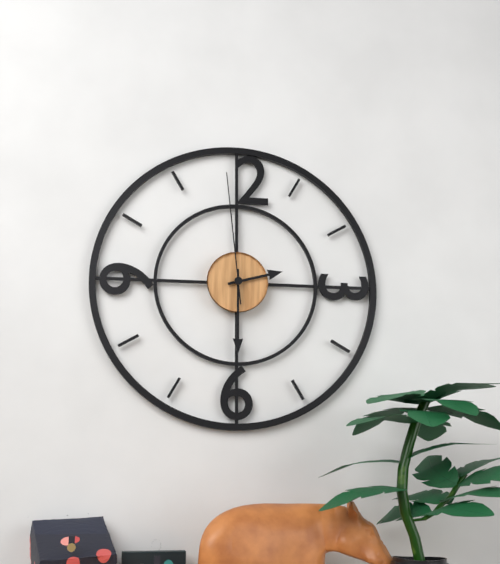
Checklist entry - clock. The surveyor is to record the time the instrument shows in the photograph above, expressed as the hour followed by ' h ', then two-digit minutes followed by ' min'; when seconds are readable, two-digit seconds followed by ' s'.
2 h 30 min 59 s
